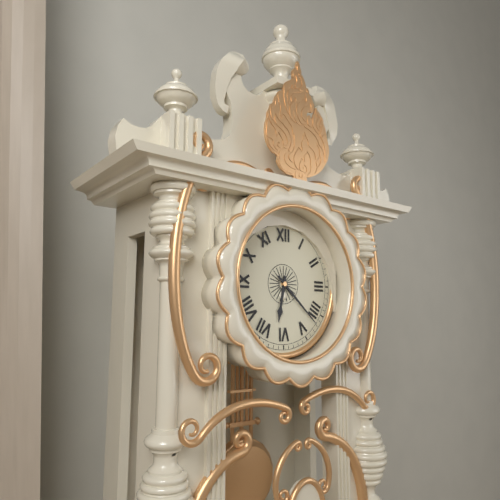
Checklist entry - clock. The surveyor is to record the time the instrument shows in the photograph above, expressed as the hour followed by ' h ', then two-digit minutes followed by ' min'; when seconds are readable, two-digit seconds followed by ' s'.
6 h 22 min
